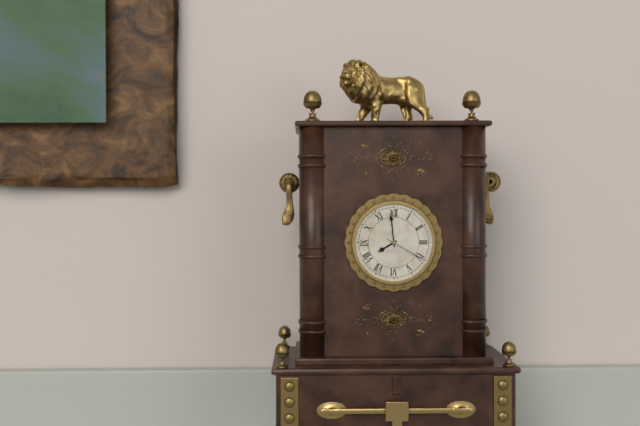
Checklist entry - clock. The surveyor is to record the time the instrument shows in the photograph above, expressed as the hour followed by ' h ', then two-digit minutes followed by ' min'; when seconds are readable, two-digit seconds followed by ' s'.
7 h 59 min
